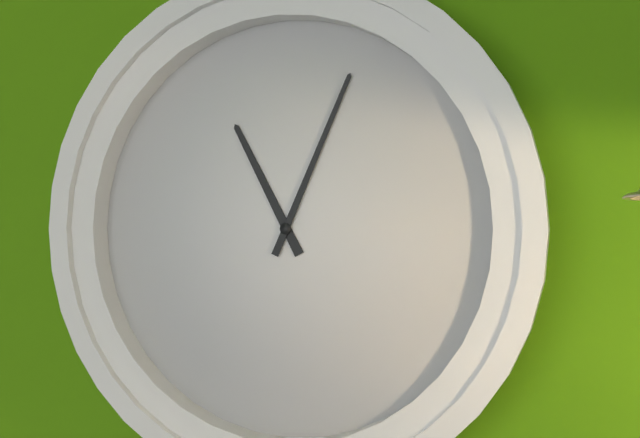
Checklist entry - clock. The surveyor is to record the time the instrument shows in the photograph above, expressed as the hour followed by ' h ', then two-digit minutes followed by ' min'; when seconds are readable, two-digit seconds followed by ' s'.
11 h 04 min
